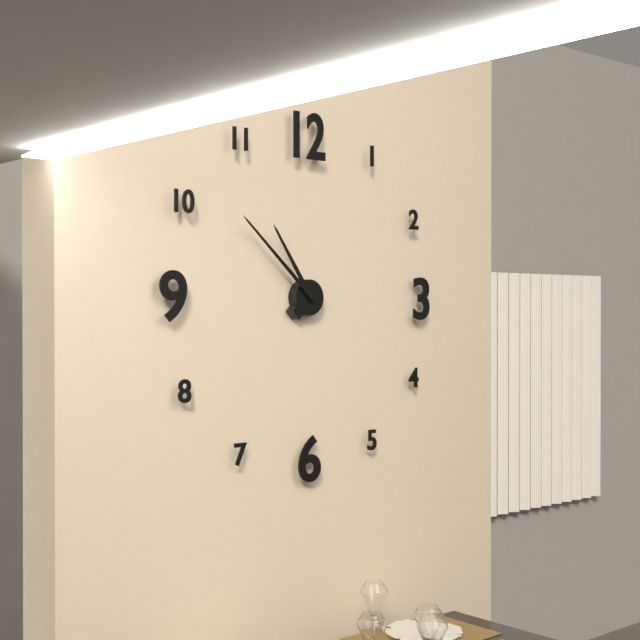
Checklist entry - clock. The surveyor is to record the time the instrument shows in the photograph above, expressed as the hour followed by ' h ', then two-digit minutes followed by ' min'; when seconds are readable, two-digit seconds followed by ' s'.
10 h 52 min
